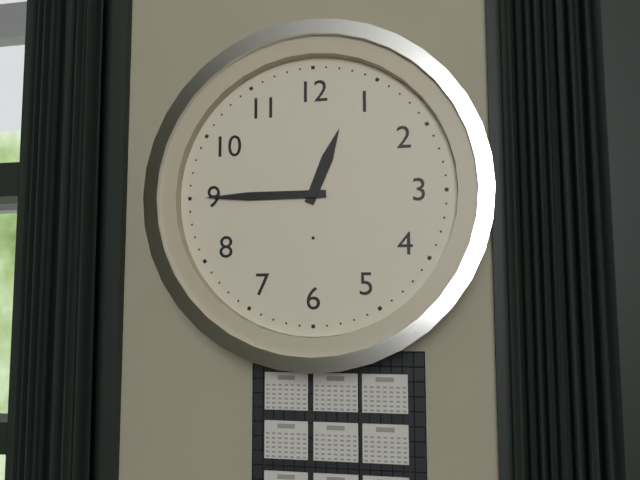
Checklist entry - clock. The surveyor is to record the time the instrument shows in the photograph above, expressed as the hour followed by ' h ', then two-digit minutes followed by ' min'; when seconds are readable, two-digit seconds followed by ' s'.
12 h 45 min
